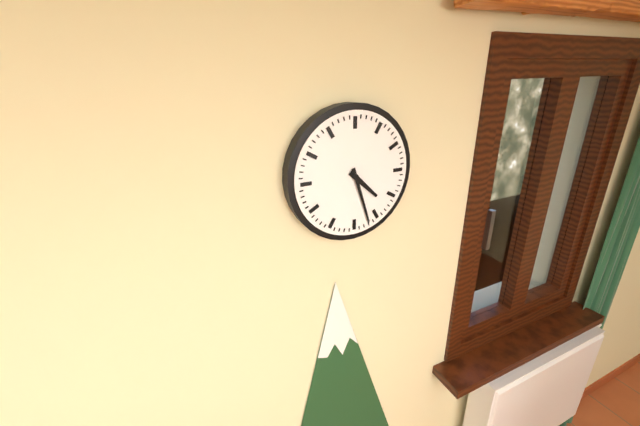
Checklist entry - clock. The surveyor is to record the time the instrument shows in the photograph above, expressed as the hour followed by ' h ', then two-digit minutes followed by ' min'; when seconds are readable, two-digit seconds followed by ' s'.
4 h 27 min
